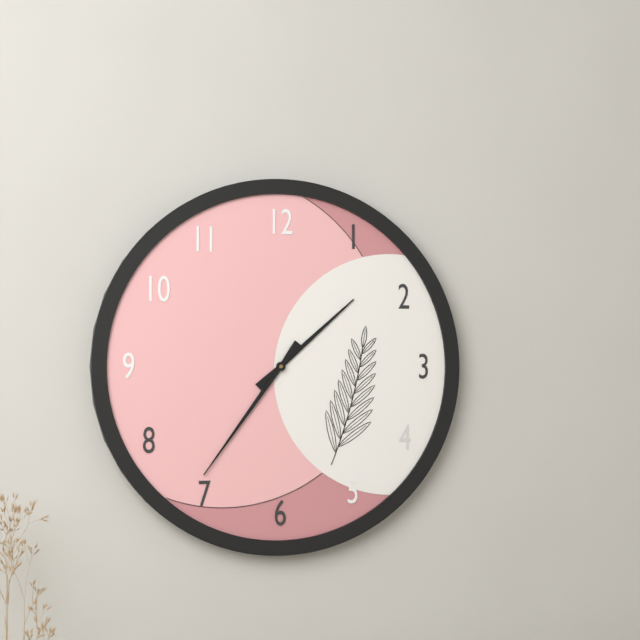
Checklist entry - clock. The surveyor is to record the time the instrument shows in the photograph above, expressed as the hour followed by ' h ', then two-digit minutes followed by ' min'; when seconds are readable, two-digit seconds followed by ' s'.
1 h 36 min
